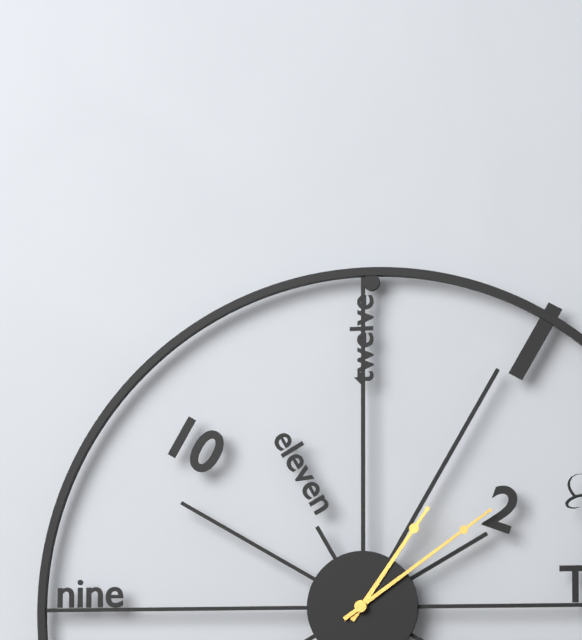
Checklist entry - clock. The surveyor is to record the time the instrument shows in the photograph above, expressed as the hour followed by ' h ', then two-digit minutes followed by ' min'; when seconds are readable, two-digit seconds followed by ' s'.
1 h 09 min
